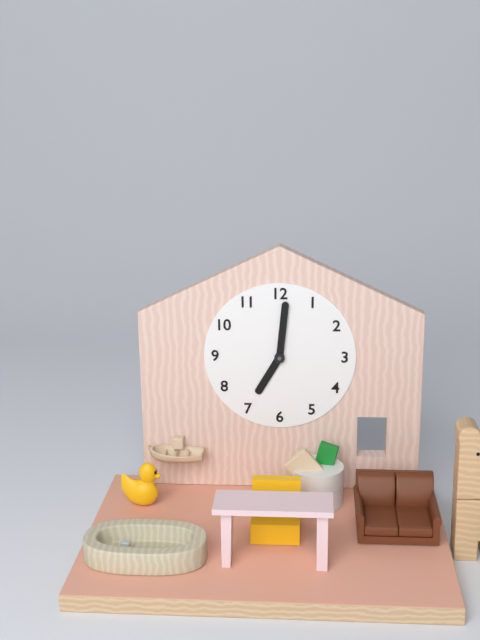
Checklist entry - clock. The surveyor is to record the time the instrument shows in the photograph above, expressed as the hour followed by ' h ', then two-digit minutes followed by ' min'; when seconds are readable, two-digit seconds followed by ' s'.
7 h 01 min
